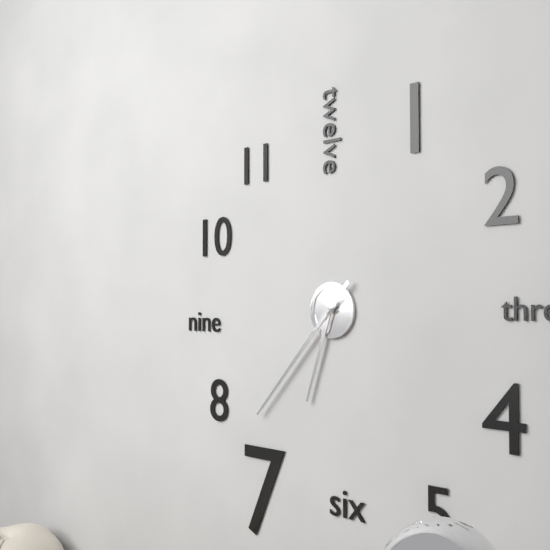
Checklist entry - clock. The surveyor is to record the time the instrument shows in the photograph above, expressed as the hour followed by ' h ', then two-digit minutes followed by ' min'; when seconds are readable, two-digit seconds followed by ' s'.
6 h 37 min
